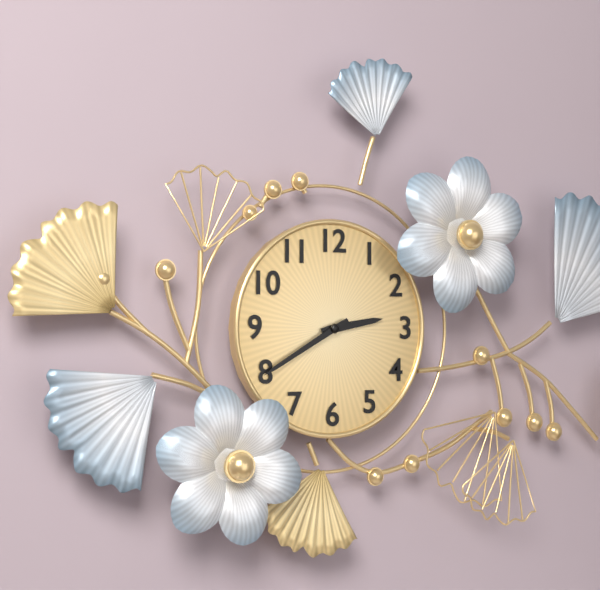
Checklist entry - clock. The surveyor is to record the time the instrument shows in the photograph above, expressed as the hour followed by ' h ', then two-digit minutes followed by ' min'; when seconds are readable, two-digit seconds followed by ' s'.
2 h 40 min
